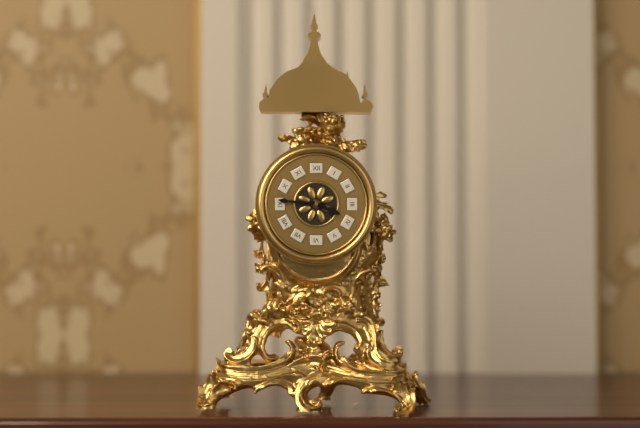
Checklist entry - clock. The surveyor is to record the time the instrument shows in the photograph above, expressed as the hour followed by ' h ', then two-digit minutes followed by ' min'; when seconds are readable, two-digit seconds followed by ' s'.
3 h 46 min
